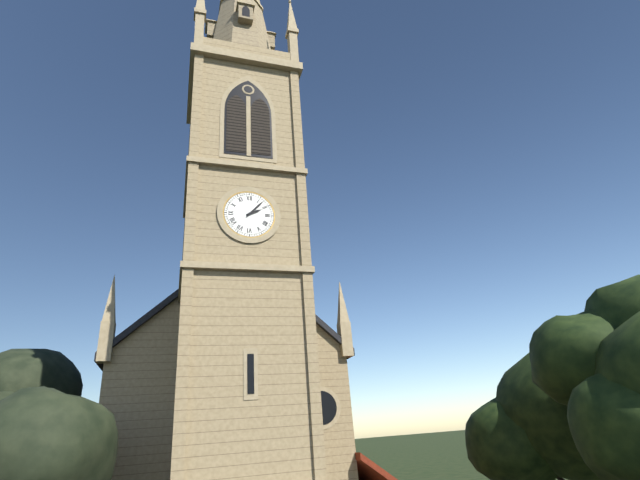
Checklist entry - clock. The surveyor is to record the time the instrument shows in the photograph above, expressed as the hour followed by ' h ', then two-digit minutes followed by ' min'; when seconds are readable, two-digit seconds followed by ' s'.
2 h 07 min
